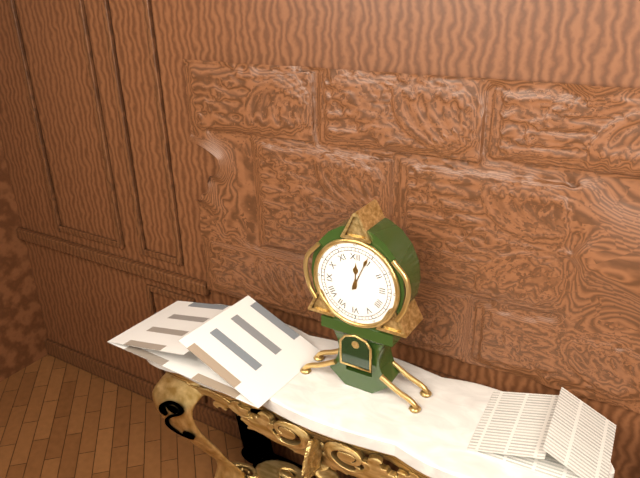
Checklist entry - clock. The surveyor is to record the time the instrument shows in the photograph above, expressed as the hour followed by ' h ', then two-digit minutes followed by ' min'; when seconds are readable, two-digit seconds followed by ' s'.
12 h 04 min
